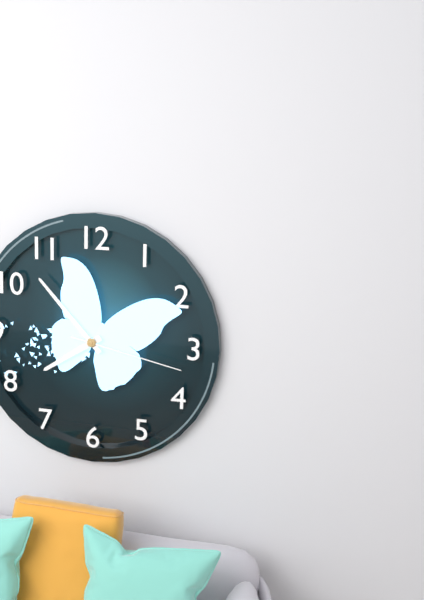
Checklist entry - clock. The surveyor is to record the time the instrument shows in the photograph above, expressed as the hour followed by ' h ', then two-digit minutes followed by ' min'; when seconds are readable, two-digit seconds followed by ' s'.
7 h 53 min 17 s
